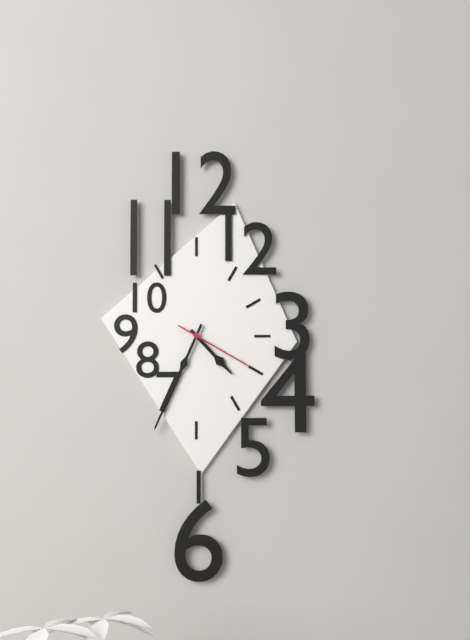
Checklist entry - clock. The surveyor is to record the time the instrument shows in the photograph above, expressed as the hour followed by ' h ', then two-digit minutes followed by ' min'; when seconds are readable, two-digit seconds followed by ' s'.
4 h 34 min 20 s
